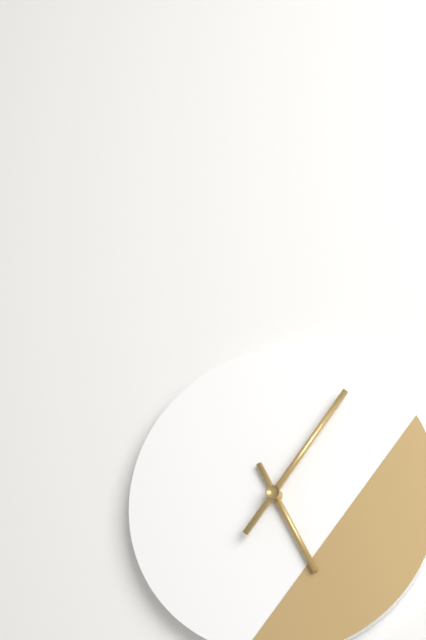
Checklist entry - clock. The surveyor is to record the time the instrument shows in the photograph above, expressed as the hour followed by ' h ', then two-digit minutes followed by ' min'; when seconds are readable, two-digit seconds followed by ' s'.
5 h 06 min
